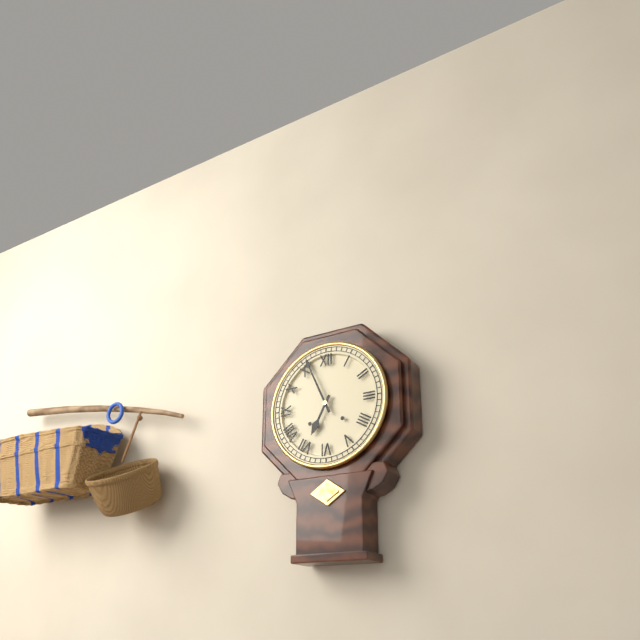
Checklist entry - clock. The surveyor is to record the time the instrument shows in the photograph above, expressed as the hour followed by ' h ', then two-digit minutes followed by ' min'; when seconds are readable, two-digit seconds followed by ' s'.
6 h 56 min
